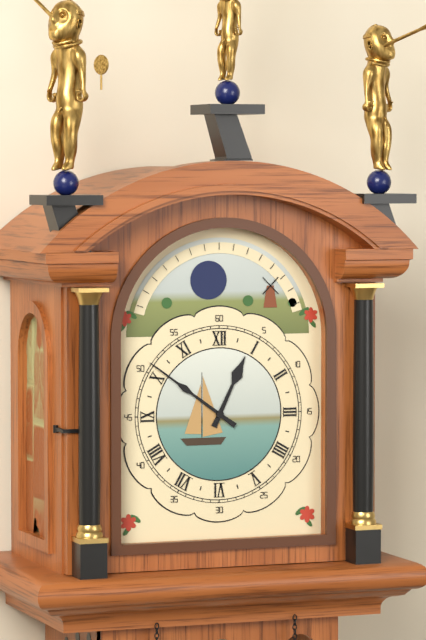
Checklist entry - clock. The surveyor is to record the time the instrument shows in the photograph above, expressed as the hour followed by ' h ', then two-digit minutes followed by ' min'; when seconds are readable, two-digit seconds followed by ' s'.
12 h 51 min
